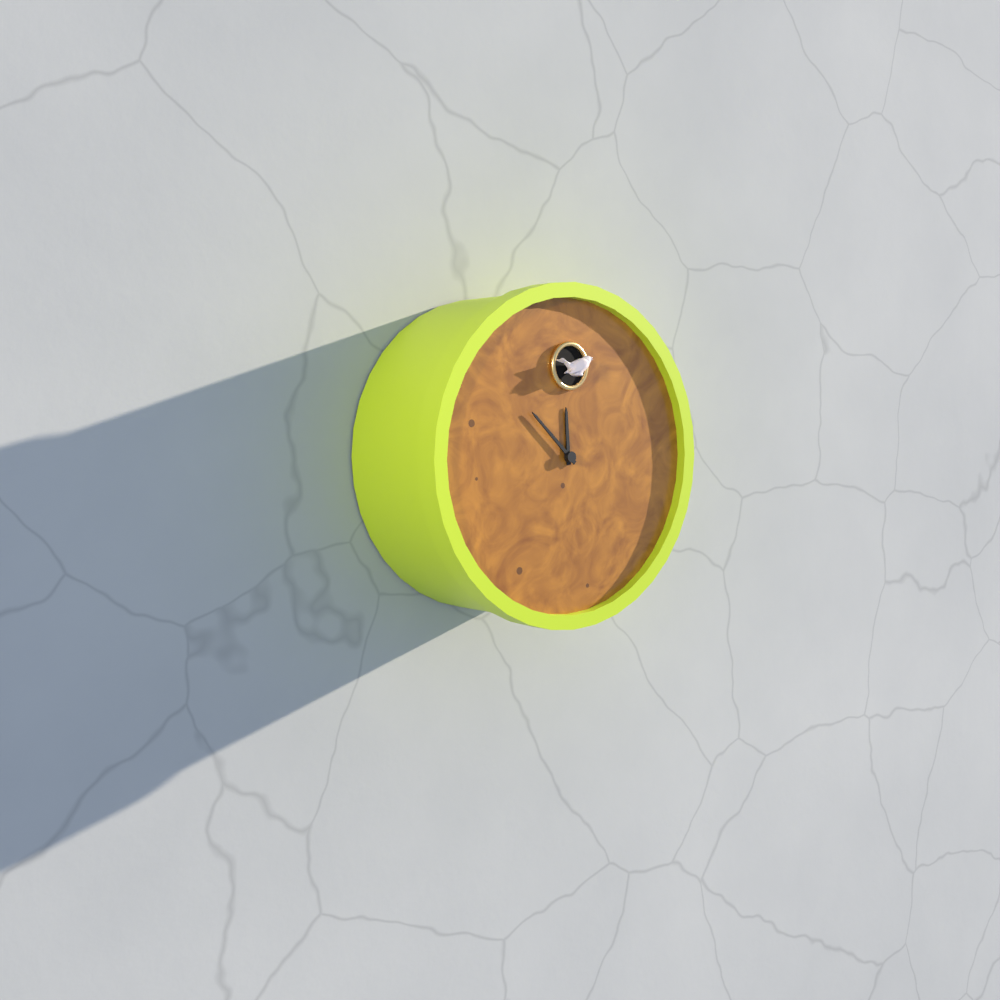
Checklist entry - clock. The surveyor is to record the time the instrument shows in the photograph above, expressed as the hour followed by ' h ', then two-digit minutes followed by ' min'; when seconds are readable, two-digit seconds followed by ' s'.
11 h 52 min
